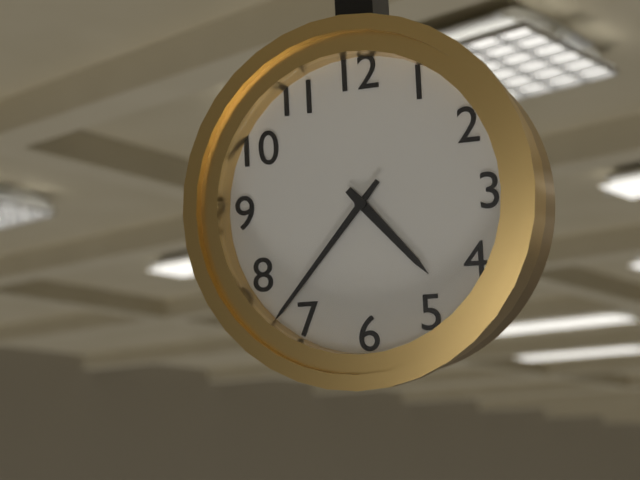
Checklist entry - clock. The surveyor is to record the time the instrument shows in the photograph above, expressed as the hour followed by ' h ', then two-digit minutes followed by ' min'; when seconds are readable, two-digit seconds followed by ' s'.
4 h 37 min
